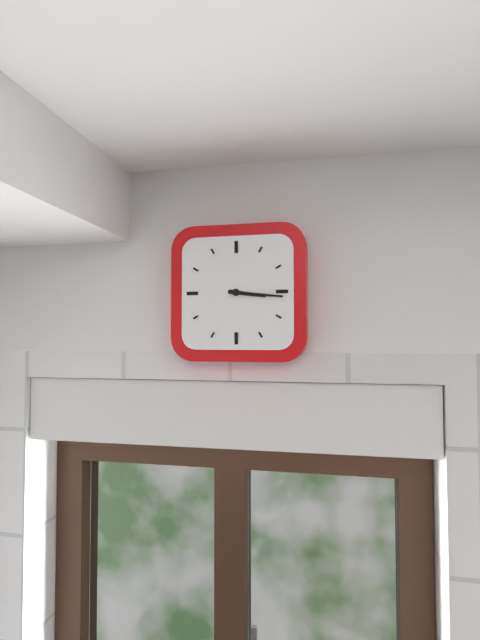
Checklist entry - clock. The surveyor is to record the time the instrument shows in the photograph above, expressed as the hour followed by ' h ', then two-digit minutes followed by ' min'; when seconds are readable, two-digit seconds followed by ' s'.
3 h 16 min
